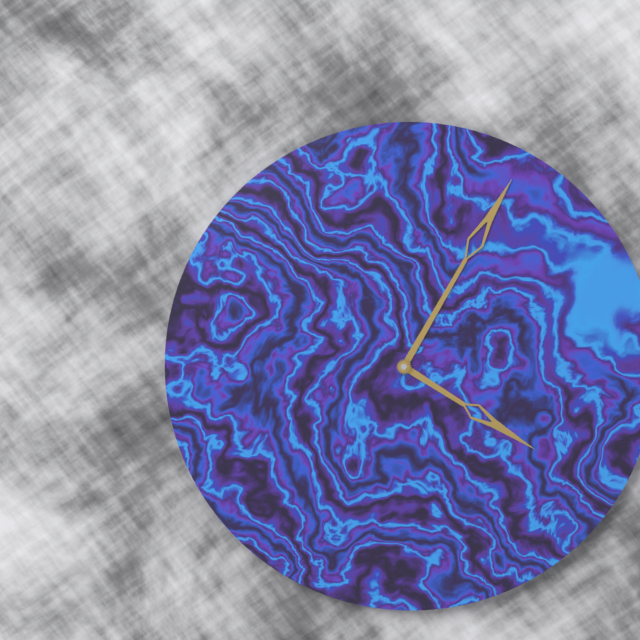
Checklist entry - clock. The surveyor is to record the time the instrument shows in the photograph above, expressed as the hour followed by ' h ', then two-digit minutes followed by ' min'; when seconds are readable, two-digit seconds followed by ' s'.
4 h 05 min
